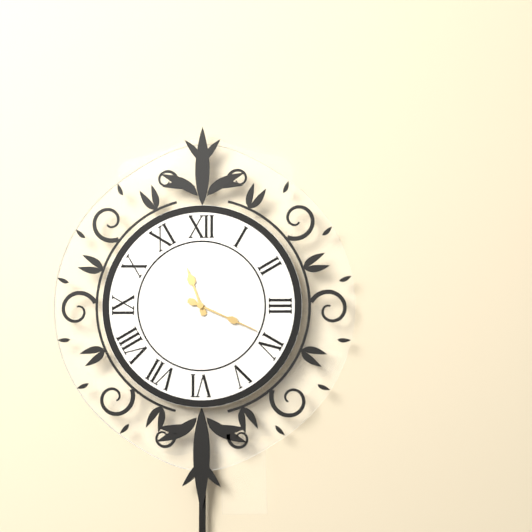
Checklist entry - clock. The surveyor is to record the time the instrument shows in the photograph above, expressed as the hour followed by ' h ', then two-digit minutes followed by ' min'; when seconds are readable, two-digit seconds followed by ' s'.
11 h 19 min
